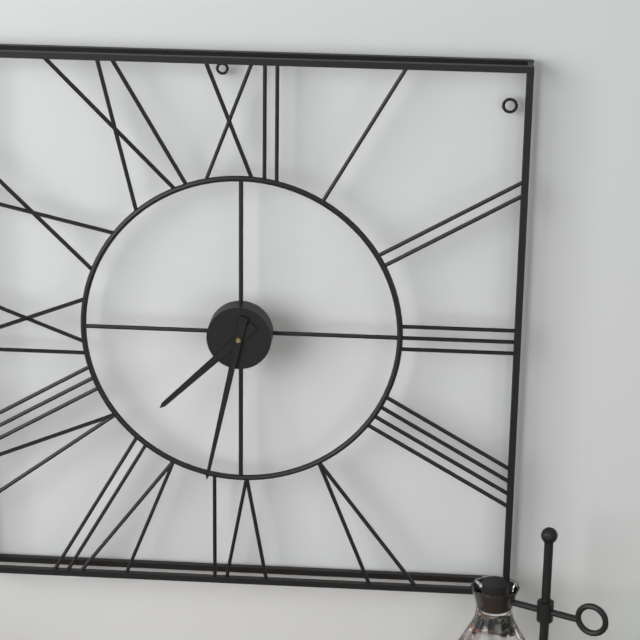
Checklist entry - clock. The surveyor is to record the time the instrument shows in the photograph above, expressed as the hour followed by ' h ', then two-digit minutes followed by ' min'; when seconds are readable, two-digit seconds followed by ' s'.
7 h 32 min
